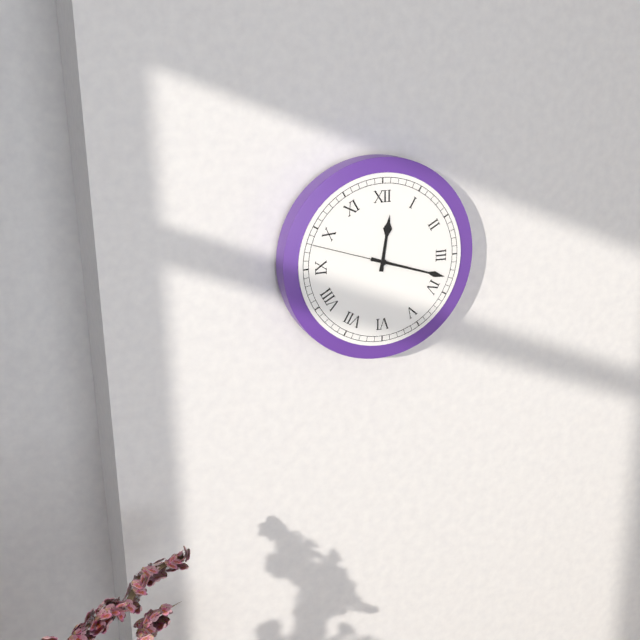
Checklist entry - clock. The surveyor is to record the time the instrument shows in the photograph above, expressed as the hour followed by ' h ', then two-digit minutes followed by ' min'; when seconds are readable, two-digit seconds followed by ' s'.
12 h 18 min 48 s
